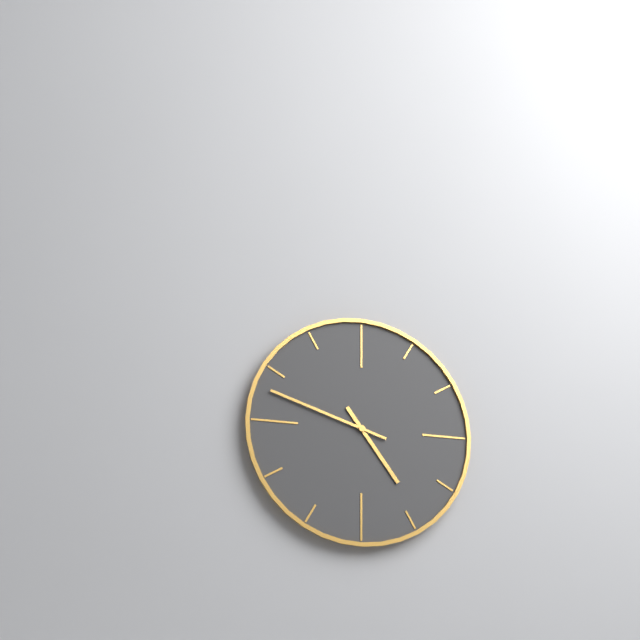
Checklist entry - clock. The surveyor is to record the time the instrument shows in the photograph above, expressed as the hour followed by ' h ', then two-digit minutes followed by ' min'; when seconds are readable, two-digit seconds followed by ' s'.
4 h 48 min
